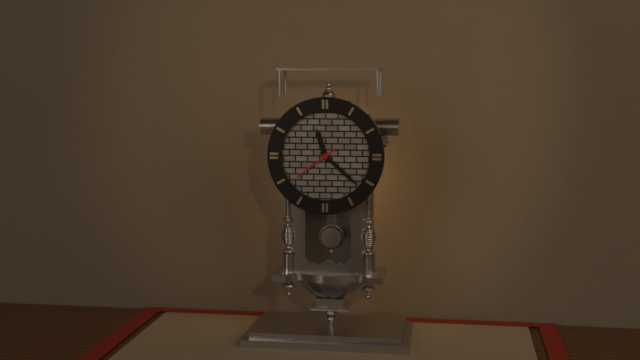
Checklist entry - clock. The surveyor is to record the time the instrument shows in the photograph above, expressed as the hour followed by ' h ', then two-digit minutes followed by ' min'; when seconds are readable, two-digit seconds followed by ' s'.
11 h 22 min 39 s
